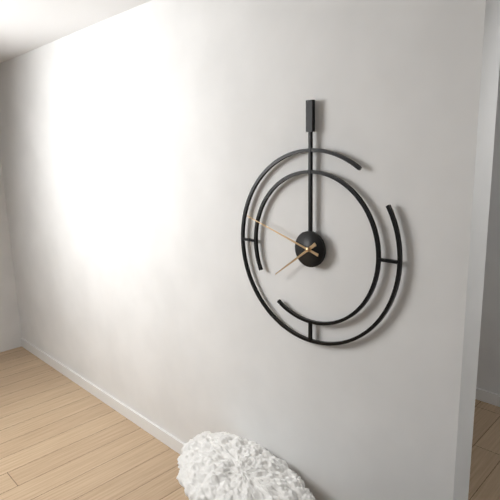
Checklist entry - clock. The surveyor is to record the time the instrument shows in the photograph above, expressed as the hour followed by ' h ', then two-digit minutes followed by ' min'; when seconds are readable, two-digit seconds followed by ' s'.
7 h 48 min
